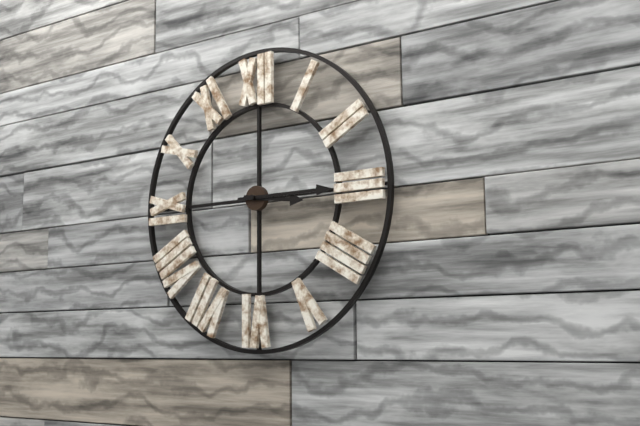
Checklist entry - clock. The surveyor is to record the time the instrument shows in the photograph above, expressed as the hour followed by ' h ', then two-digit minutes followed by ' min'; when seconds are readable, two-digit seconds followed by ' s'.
3 h 15 min
